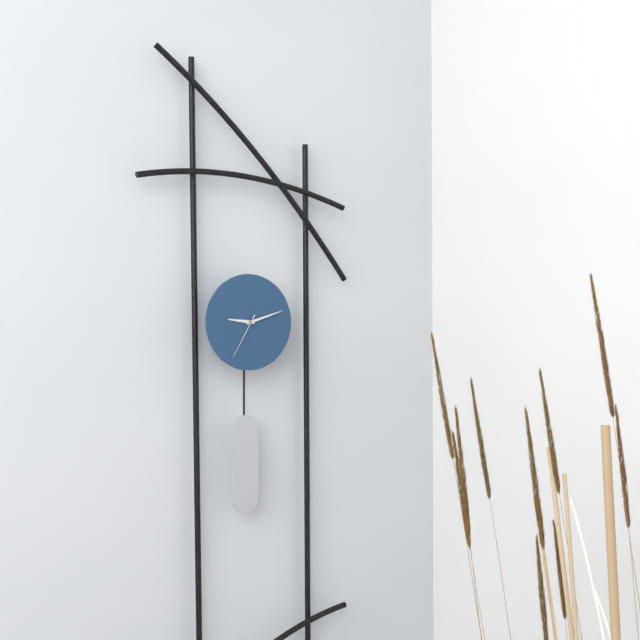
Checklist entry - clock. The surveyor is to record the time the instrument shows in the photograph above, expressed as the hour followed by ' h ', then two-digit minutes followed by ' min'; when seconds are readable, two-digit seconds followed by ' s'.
9 h 12 min 35 s
